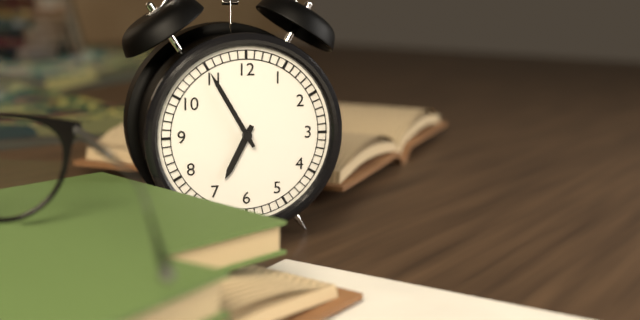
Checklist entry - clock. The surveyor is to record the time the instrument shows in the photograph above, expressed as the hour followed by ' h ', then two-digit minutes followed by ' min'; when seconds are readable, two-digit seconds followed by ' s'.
6 h 55 min
